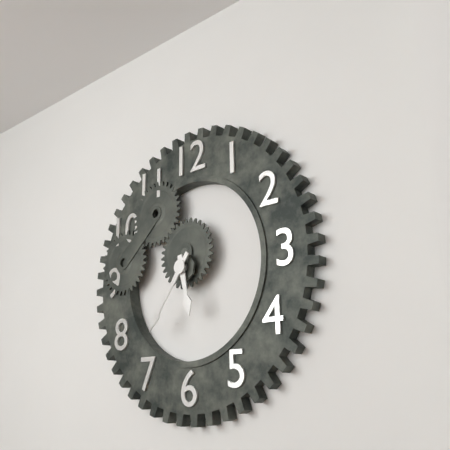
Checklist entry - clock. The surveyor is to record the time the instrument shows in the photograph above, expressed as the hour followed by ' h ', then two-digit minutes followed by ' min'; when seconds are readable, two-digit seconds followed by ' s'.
5 h 36 min
